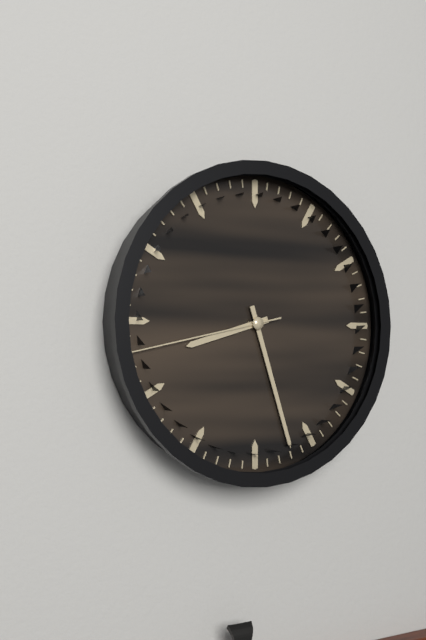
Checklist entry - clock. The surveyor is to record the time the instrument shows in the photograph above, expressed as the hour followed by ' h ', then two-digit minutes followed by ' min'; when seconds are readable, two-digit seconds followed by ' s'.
8 h 27 min 43 s
